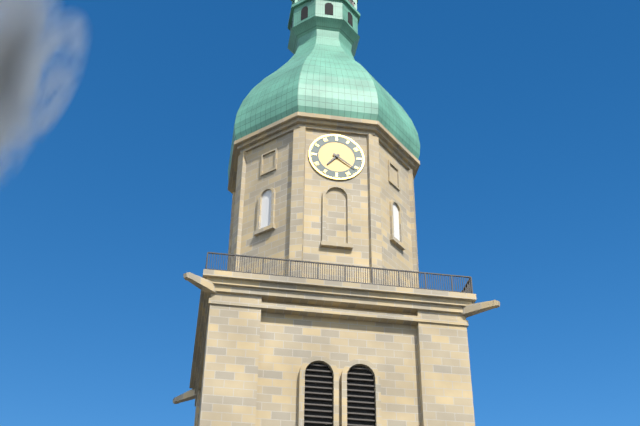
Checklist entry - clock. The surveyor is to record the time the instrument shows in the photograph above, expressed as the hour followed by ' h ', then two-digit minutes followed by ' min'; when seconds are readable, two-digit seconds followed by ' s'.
7 h 21 min
